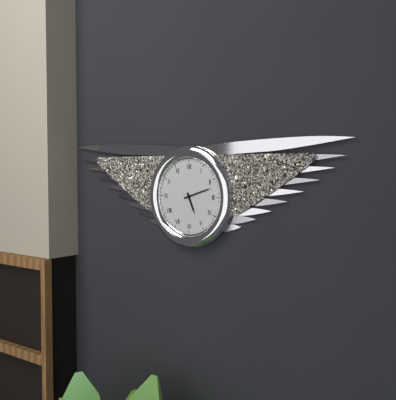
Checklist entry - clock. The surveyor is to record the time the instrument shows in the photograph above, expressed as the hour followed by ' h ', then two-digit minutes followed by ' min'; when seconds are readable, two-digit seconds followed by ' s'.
5 h 12 min
